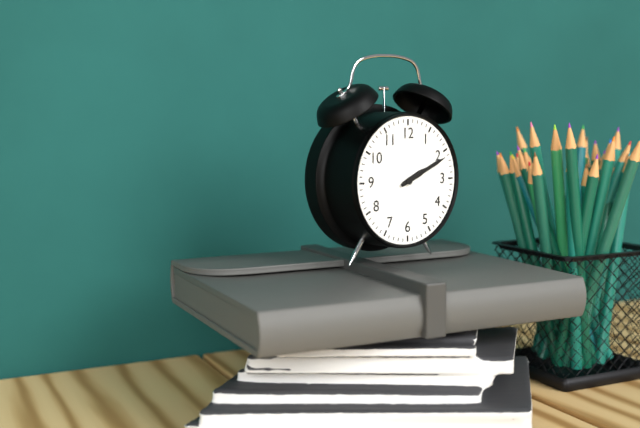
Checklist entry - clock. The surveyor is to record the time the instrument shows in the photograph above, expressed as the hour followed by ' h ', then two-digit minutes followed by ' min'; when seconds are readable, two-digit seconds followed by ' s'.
2 h 11 min
